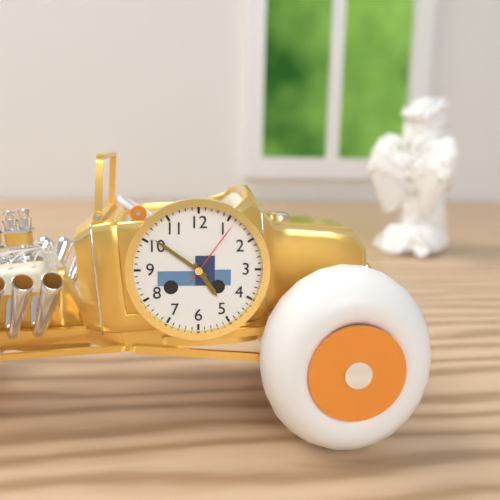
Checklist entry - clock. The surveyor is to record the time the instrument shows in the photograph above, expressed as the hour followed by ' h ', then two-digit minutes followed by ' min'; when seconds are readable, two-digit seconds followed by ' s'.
4 h 51 min 06 s
